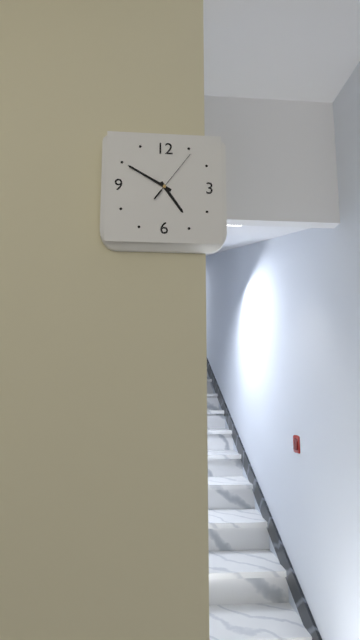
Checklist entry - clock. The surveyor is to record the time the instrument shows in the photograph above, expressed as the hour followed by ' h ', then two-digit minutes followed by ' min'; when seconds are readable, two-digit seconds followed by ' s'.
4 h 50 min 06 s
